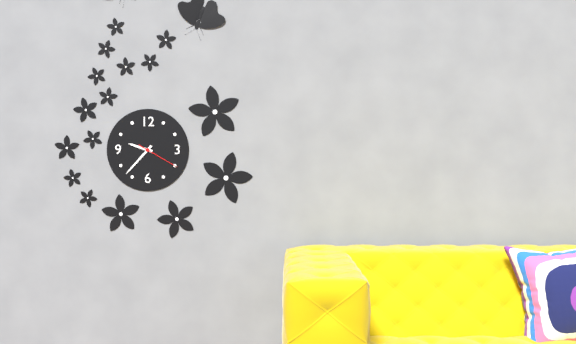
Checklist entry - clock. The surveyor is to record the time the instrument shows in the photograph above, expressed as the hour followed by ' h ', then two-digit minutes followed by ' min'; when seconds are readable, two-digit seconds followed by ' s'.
9 h 37 min
